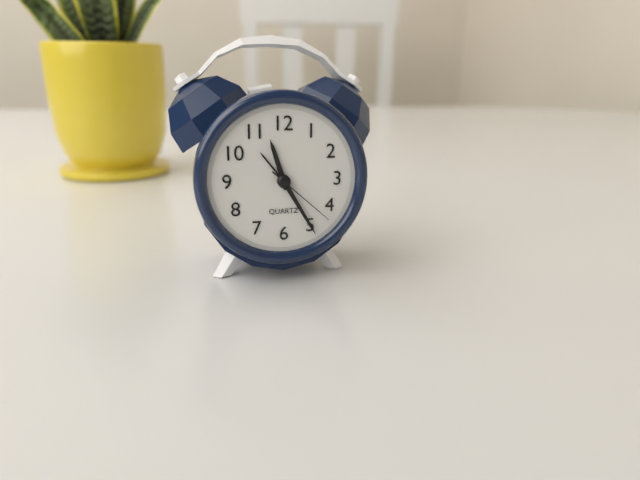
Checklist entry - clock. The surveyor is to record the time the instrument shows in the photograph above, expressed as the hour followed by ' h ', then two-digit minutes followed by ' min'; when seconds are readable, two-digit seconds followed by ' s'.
11 h 25 min 22 s
